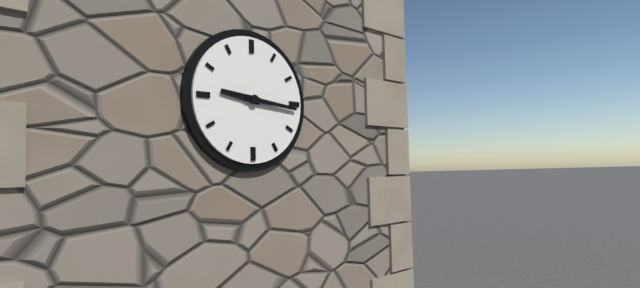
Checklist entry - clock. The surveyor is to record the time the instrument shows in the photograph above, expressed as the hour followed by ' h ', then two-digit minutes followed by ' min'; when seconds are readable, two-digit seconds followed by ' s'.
9 h 16 min
